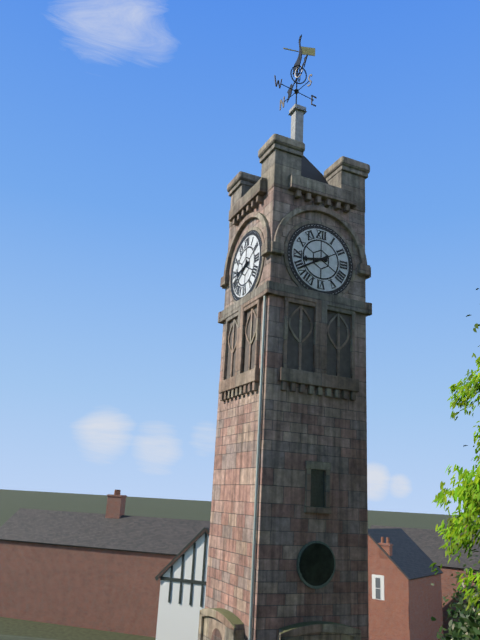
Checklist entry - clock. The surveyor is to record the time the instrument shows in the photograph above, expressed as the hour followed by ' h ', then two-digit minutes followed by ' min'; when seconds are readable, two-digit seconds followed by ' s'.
8 h 40 min
